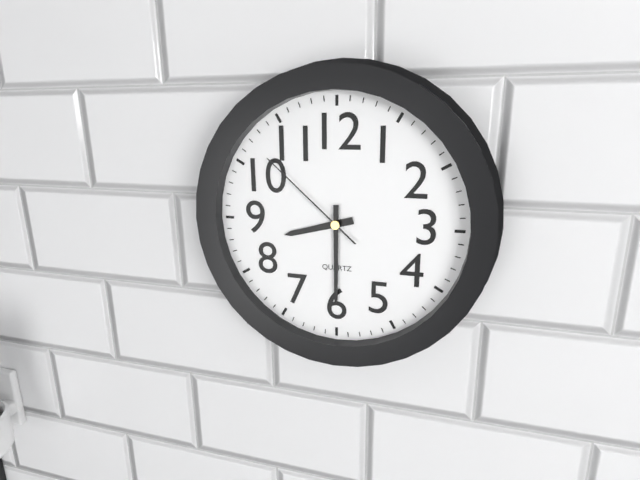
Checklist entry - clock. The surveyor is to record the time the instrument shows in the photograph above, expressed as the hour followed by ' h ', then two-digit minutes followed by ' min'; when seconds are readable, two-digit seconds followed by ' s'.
8 h 30 min 52 s
